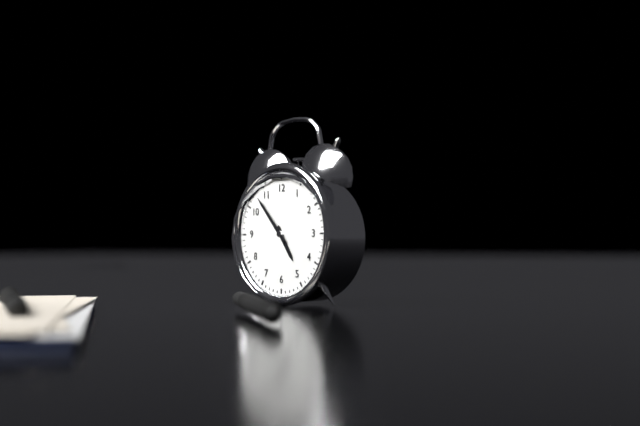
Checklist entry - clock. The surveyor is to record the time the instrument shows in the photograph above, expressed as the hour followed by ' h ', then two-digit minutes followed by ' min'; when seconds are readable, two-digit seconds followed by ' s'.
4 h 53 min
